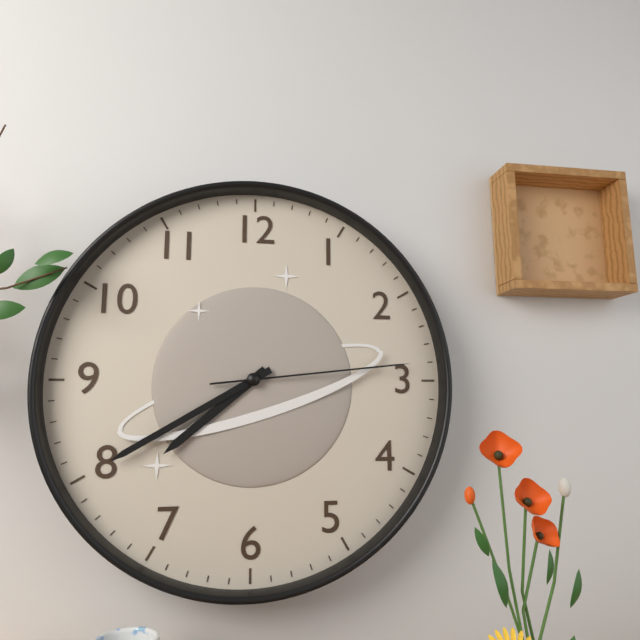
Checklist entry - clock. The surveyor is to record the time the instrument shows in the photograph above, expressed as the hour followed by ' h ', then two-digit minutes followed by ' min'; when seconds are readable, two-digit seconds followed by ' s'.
7 h 40 min 14 s
